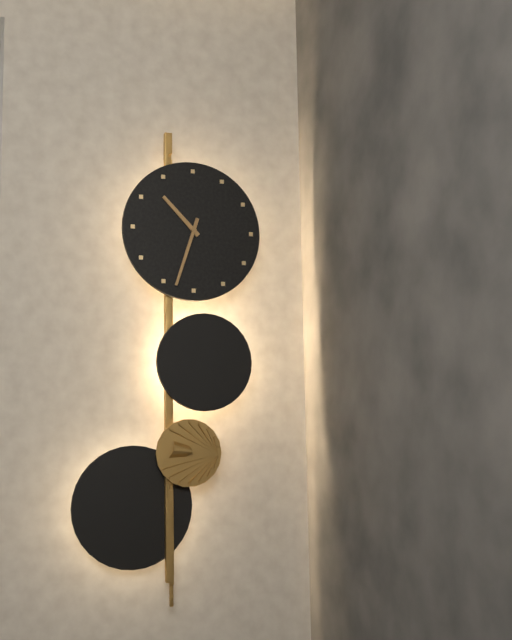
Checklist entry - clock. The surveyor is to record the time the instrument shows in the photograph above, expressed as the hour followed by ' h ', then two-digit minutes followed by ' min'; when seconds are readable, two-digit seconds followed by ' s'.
10 h 33 min
